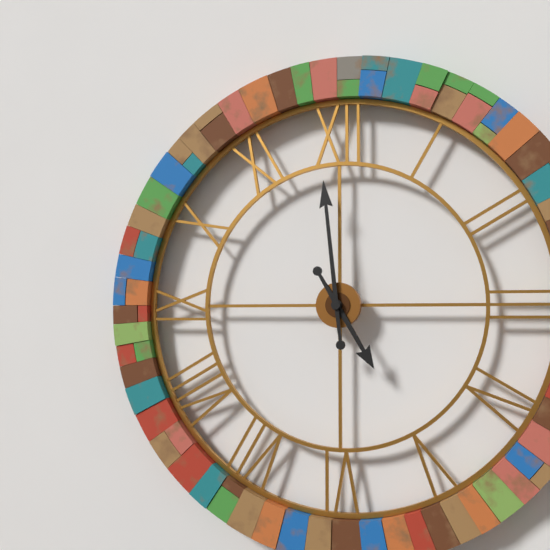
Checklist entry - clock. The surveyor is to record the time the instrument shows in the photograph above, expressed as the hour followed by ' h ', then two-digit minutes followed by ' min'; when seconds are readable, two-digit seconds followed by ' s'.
4 h 59 min
